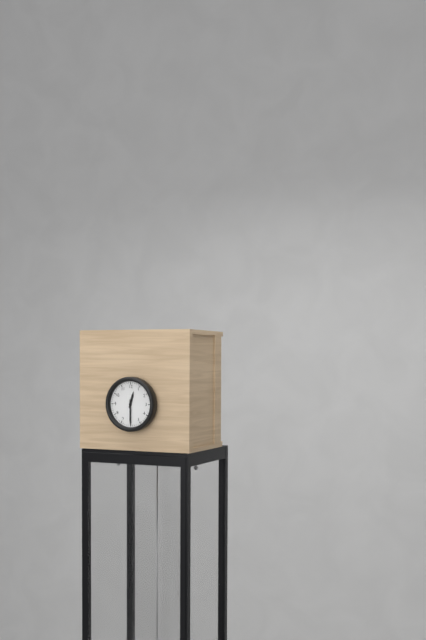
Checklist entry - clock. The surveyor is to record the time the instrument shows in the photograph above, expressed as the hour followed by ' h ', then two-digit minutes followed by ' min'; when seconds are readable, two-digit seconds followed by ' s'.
12 h 30 min
